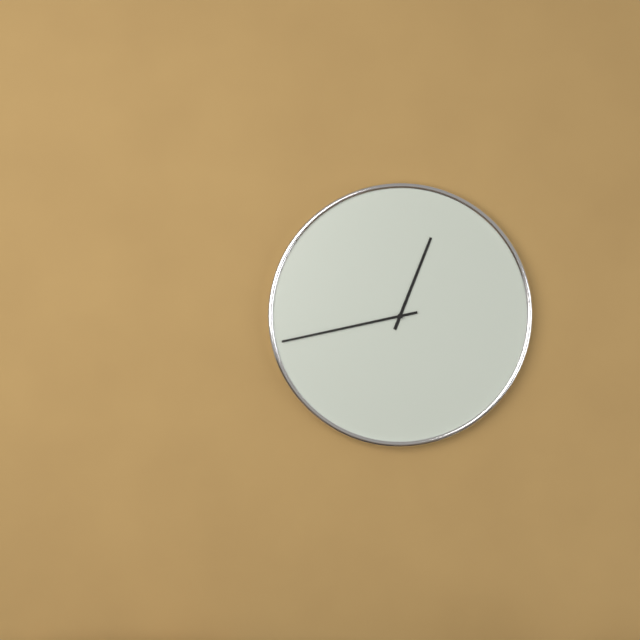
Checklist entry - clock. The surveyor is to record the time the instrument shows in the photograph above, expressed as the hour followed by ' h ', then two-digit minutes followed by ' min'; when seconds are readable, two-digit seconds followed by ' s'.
12 h 43 min
